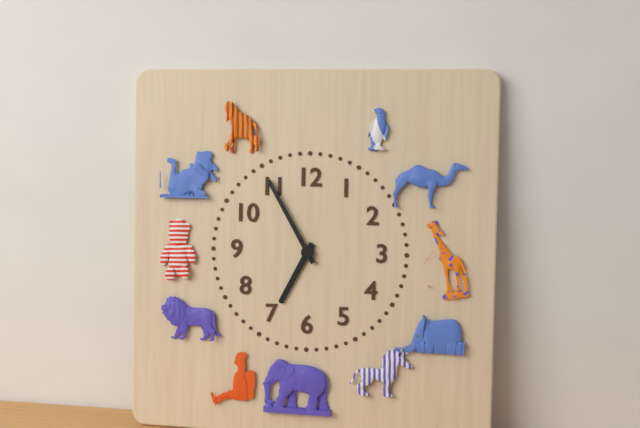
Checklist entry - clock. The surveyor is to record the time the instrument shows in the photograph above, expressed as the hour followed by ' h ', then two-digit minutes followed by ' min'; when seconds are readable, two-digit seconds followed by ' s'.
6 h 55 min
